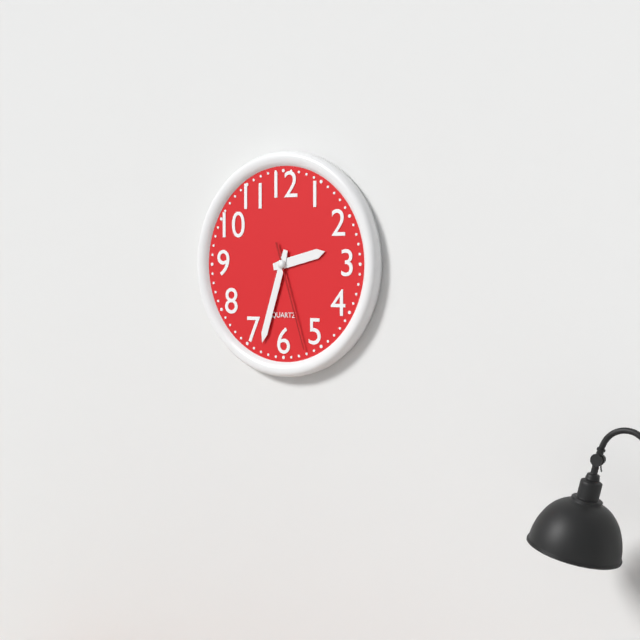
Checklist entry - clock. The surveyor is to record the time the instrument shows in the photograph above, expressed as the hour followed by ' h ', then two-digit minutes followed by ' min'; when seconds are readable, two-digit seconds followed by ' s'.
2 h 33 min 27 s
